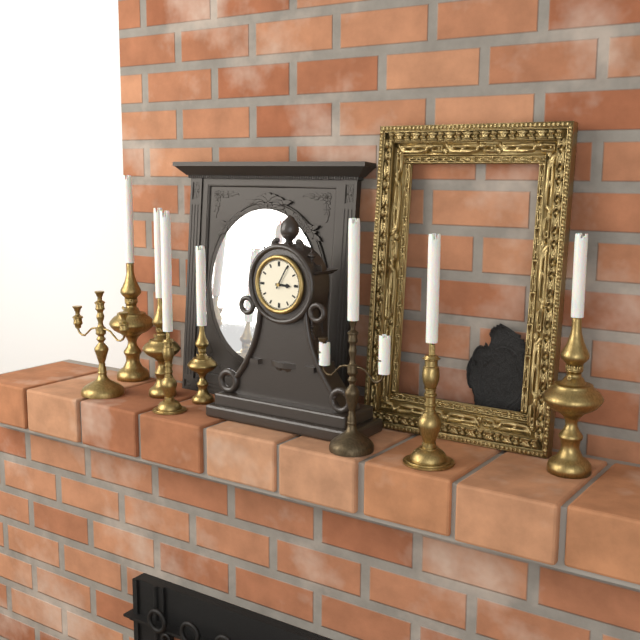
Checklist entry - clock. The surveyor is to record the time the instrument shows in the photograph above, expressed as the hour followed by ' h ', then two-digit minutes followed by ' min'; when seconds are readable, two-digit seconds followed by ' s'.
3 h 05 min
